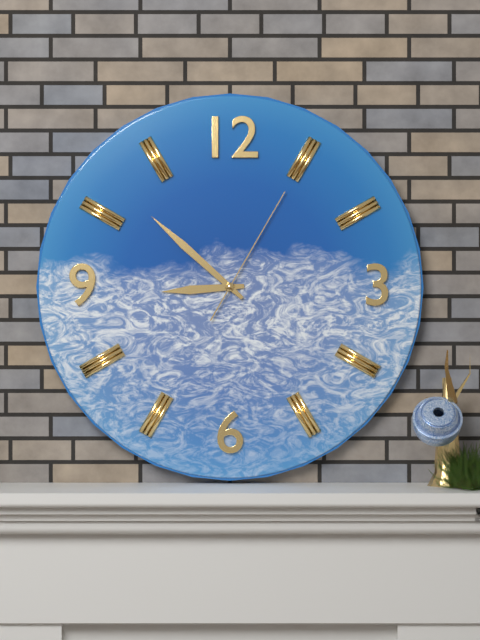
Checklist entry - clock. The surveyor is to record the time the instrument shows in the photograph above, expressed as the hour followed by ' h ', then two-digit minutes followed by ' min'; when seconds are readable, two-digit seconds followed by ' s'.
8 h 52 min 05 s
